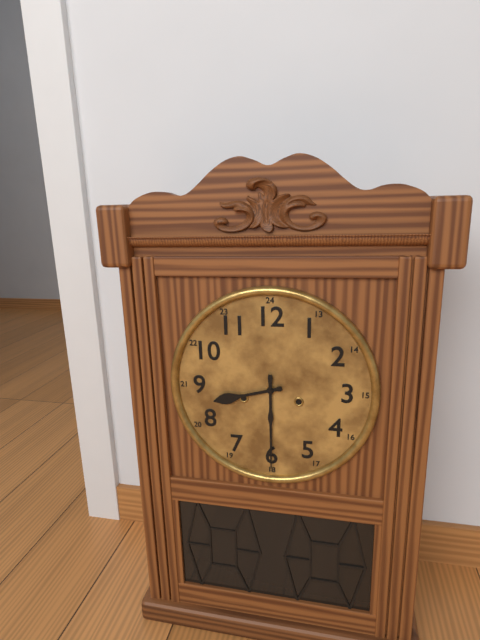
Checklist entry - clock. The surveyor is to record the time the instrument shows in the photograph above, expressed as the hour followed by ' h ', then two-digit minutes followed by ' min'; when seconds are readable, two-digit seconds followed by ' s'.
8 h 30 min
